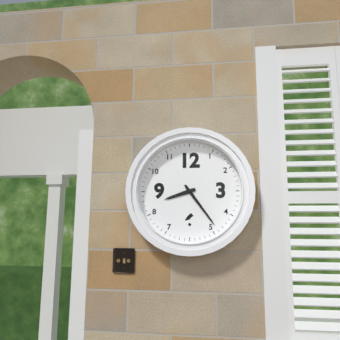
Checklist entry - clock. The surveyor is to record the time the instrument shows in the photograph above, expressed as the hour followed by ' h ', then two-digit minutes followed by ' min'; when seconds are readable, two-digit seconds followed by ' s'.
8 h 24 min
